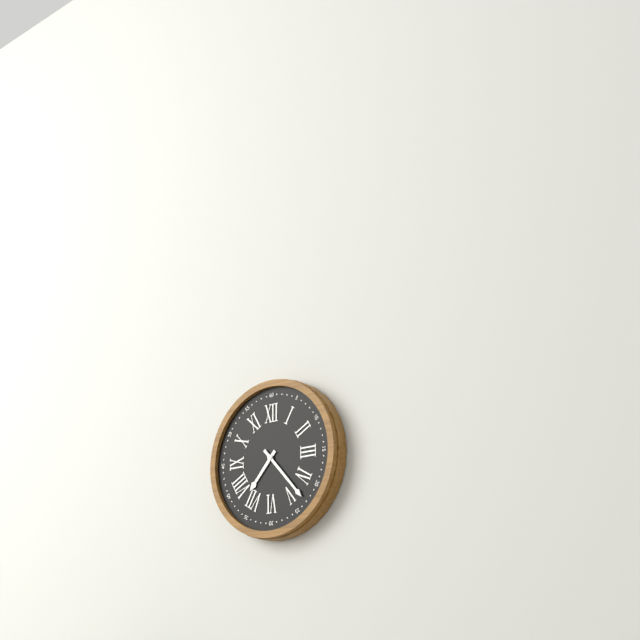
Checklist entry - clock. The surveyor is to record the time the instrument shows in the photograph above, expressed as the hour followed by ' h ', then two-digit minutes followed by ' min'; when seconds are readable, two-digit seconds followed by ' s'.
7 h 23 min
